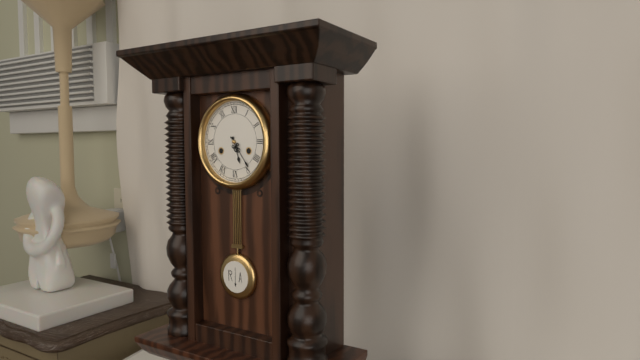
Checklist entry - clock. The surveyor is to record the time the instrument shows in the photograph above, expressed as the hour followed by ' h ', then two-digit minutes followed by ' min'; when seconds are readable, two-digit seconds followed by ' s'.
5 h 24 min
